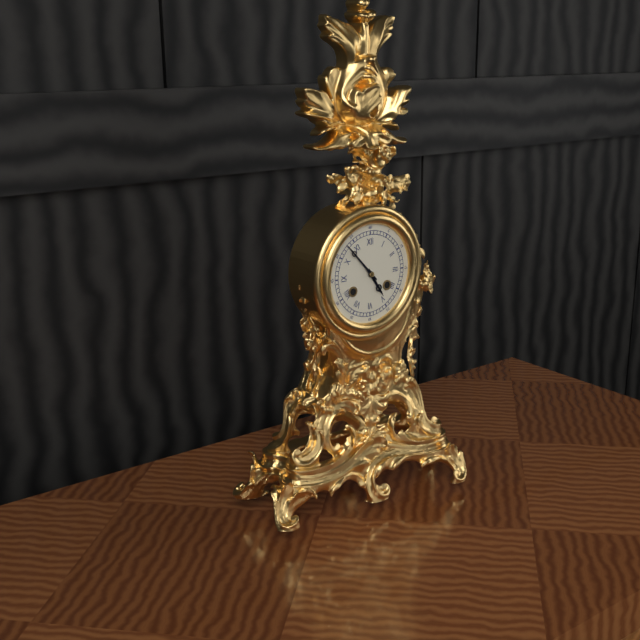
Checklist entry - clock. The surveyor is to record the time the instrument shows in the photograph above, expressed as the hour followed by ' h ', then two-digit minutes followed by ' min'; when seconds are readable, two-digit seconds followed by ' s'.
4 h 53 min
